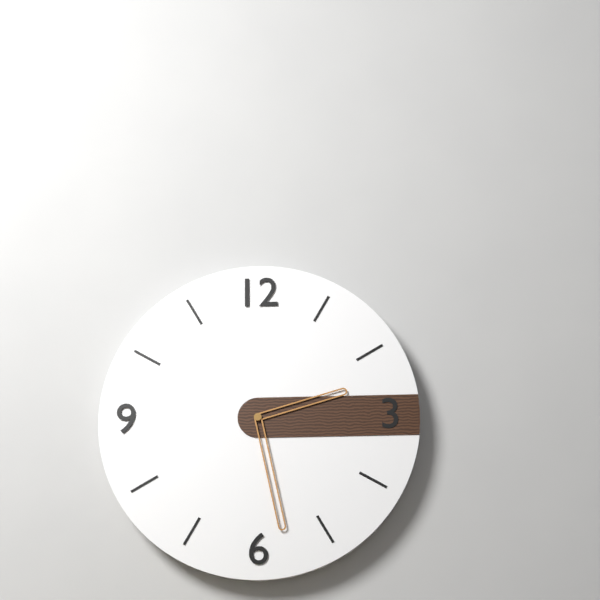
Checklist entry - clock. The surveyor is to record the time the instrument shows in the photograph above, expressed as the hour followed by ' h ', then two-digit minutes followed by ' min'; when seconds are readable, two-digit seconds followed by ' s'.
2 h 28 min
